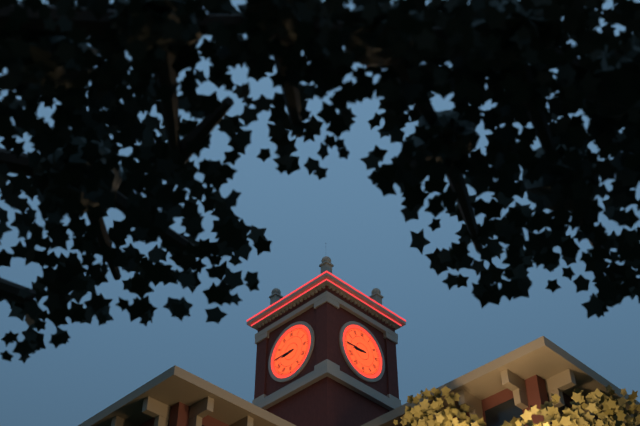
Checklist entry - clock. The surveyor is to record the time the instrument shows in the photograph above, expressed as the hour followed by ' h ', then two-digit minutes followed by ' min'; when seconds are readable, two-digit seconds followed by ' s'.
8 h 45 min
